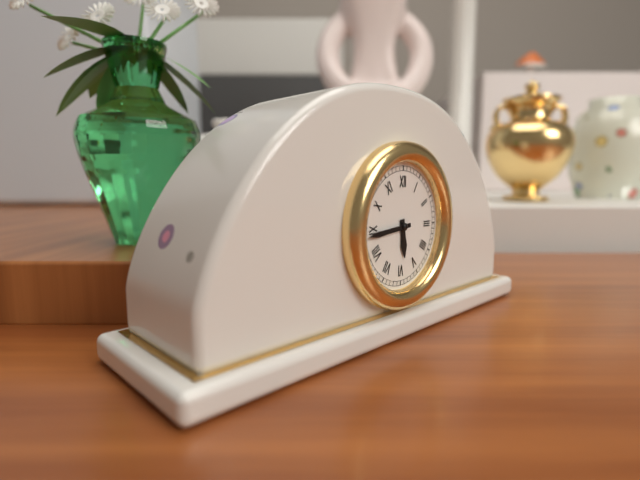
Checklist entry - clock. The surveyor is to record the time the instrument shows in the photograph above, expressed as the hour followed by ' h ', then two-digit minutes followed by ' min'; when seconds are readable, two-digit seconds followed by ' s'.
5 h 44 min
